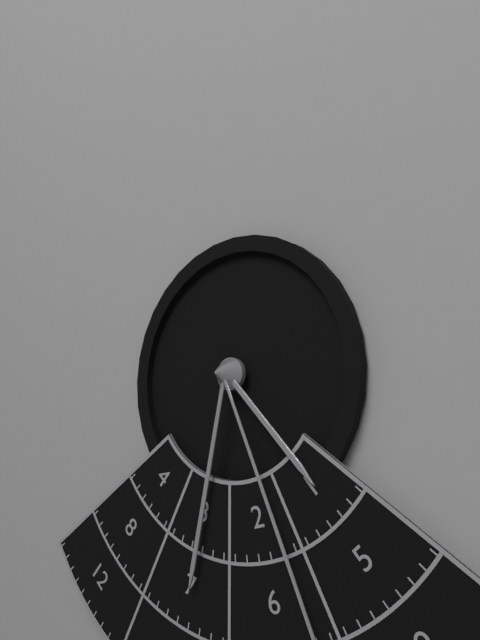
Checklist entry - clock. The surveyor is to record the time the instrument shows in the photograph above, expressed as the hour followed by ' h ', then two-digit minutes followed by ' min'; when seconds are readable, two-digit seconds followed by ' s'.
4 h 32 min
